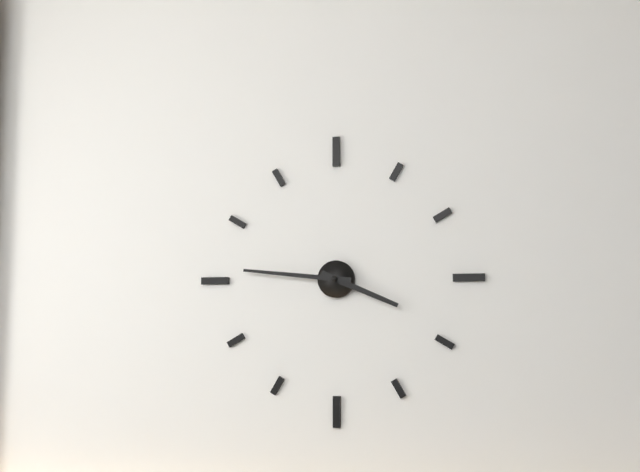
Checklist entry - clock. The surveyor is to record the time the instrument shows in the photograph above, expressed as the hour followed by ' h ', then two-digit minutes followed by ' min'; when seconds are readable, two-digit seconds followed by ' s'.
3 h 46 min
